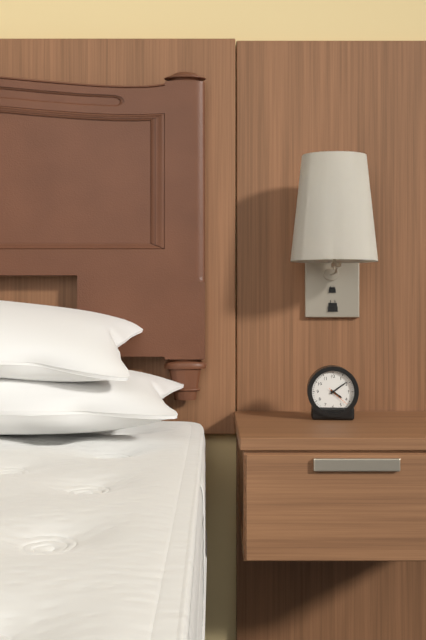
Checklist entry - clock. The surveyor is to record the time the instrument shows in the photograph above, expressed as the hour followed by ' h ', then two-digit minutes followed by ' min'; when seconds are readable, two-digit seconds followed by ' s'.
4 h 09 min
